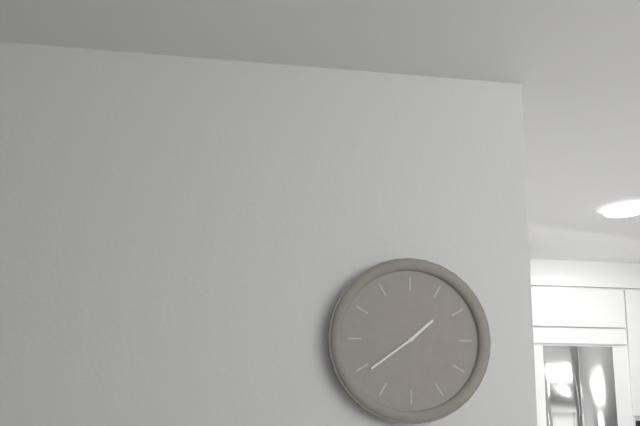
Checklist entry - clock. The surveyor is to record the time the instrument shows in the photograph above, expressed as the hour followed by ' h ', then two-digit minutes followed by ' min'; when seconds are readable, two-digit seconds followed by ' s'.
1 h 39 min
